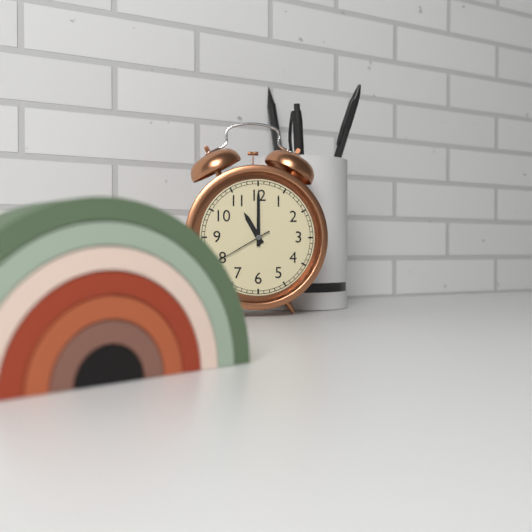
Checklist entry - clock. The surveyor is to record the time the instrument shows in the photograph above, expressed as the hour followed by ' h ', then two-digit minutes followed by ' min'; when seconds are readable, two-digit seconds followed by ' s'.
11 h 00 min 40 s
